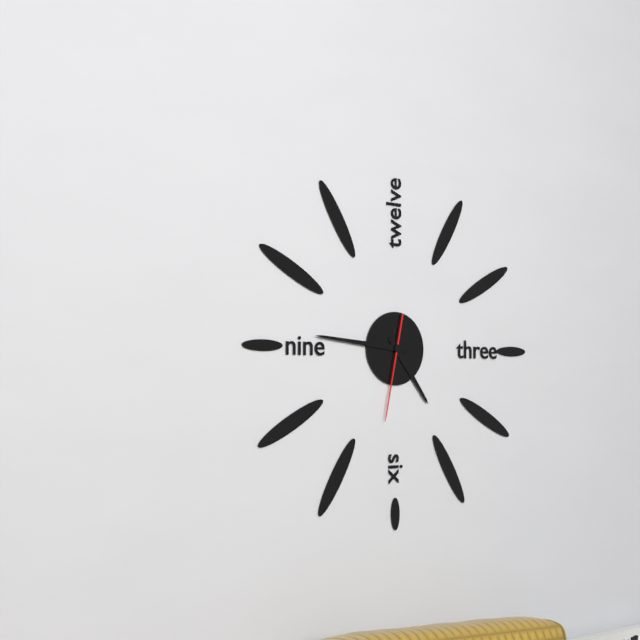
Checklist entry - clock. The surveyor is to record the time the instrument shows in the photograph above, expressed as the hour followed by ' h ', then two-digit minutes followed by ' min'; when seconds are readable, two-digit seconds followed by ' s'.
4 h 46 min 32 s
